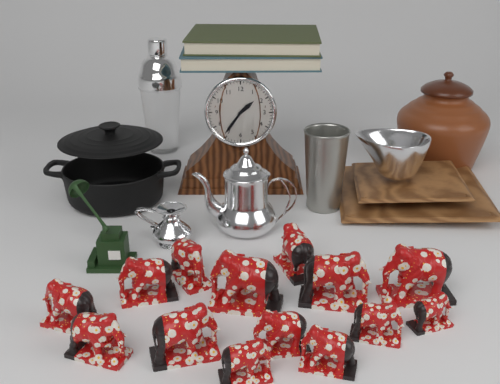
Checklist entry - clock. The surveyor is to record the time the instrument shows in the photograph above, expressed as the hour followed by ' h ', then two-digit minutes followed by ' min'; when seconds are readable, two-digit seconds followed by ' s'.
1 h 36 min
